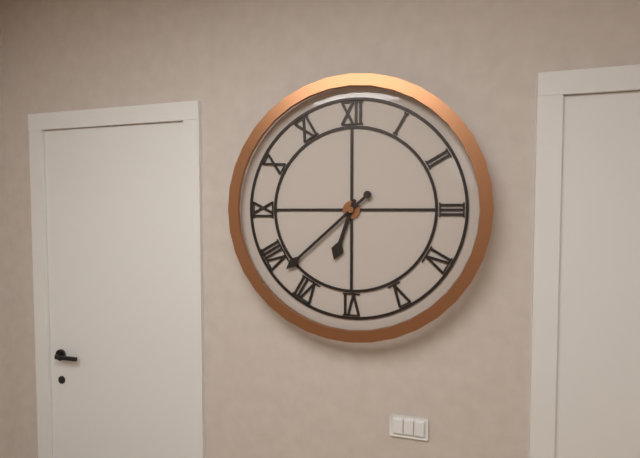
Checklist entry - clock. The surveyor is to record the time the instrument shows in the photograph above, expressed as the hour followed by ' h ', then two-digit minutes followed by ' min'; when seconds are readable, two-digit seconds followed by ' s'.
6 h 38 min
